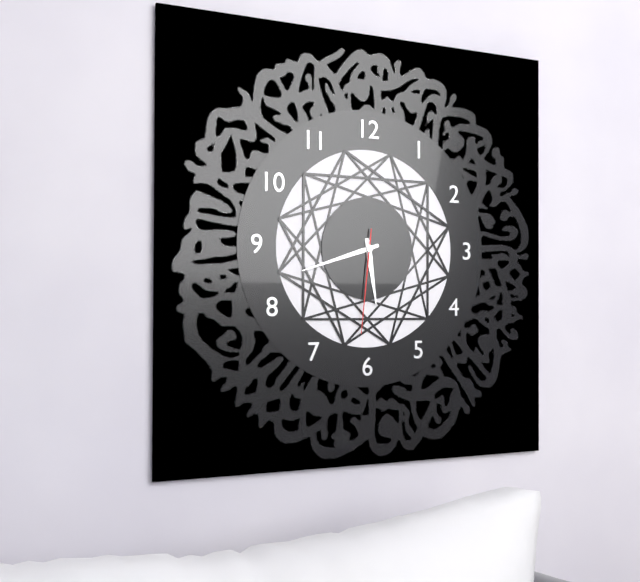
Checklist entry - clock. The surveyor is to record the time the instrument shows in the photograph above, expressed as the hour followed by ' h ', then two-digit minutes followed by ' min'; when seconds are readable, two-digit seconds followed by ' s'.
5 h 42 min 31 s
